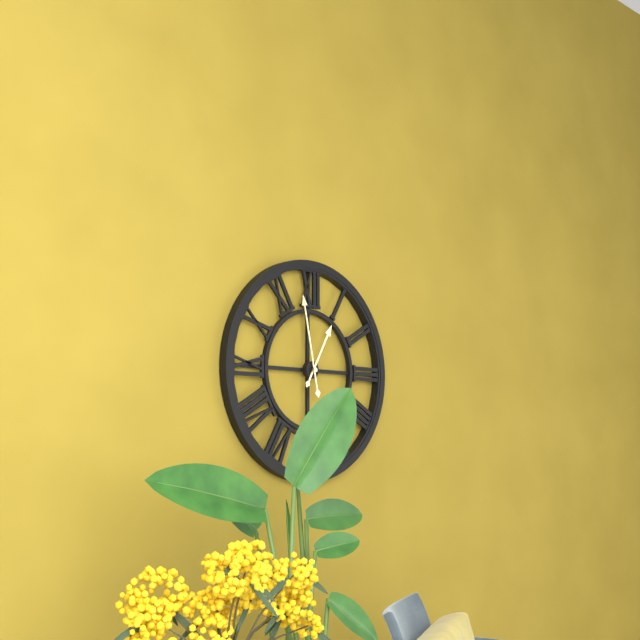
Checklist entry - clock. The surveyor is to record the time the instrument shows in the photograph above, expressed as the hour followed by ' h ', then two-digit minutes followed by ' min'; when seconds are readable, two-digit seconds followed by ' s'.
12 h 58 min
